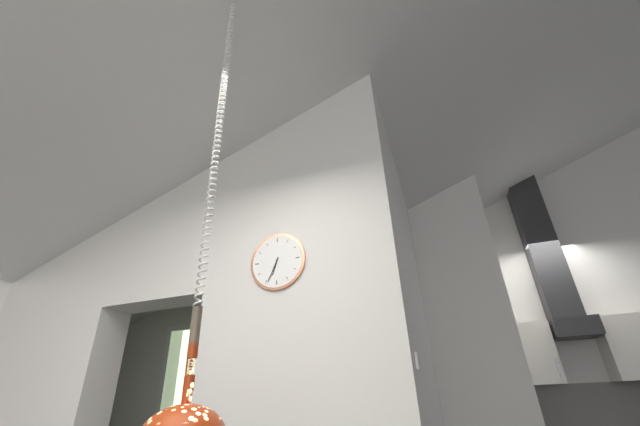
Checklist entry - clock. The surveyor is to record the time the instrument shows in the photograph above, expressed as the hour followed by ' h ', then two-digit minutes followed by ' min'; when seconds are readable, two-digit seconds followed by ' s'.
6 h 34 min
